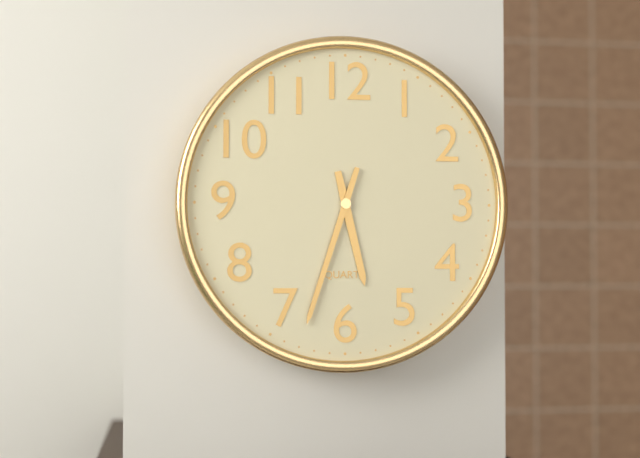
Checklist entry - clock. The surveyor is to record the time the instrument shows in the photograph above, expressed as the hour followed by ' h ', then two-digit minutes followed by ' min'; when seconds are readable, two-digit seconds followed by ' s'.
5 h 33 min
